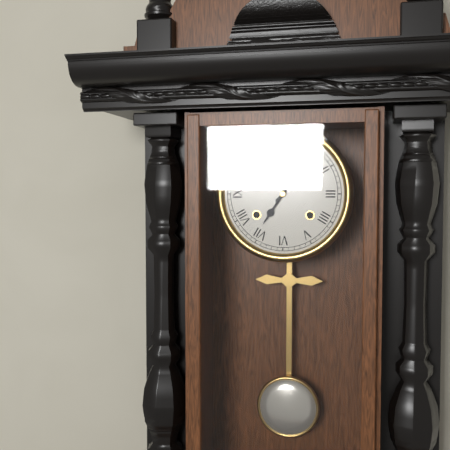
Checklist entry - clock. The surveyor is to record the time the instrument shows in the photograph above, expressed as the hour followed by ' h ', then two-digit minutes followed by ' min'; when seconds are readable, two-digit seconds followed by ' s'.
7 h 07 min
